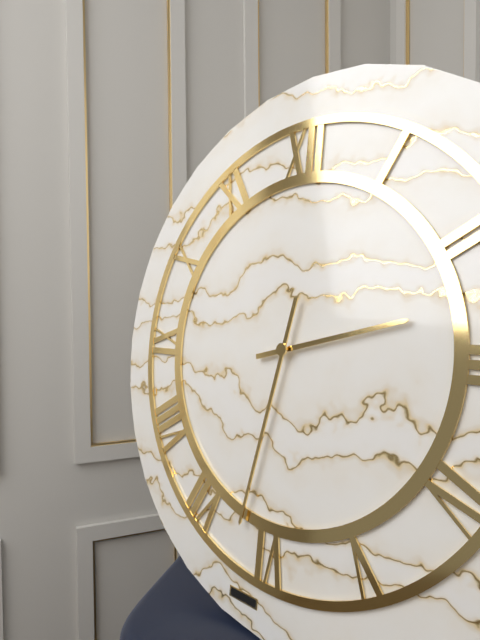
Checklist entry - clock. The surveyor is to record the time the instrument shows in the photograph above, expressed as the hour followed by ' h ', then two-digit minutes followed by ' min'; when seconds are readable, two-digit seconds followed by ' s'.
2 h 32 min
